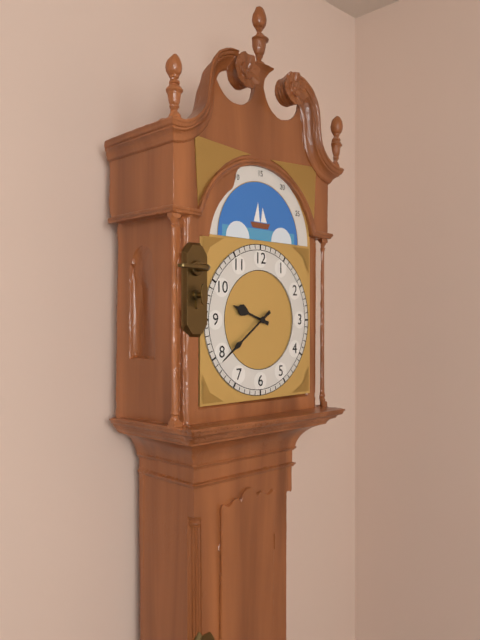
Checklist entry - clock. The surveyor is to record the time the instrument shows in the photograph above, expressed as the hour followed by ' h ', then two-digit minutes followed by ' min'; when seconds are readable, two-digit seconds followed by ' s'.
9 h 39 min
